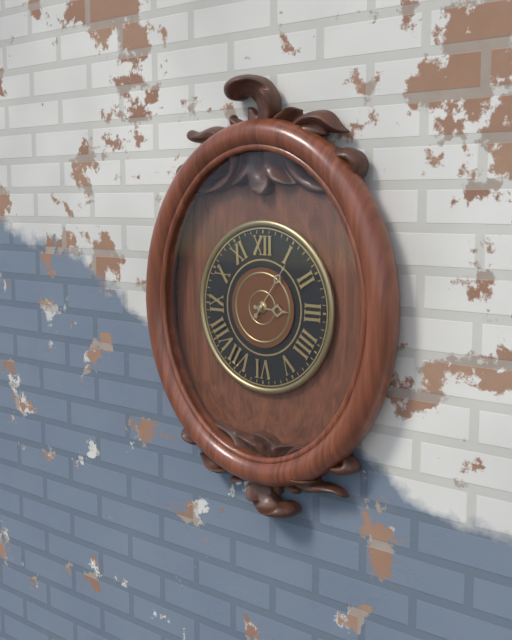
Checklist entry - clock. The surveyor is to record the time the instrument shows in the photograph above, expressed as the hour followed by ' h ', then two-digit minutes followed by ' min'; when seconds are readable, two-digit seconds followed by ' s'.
3 h 06 min
